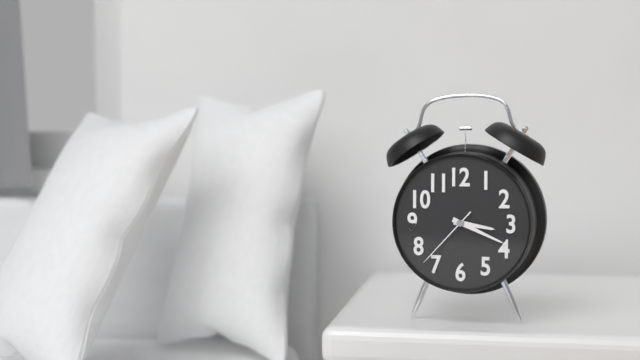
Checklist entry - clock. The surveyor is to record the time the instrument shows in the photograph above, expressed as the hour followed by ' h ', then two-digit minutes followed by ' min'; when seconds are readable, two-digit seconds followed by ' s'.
3 h 19 min 37 s
